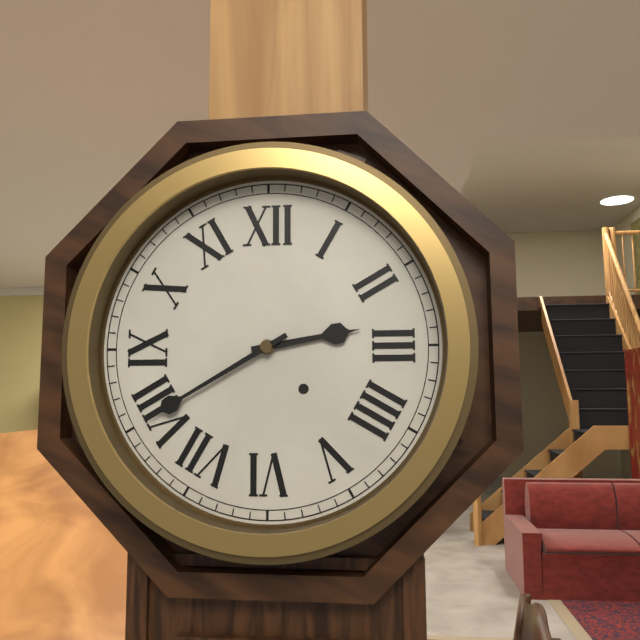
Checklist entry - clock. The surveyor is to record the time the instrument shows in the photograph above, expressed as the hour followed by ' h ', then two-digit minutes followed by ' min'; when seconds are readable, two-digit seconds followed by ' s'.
2 h 40 min
